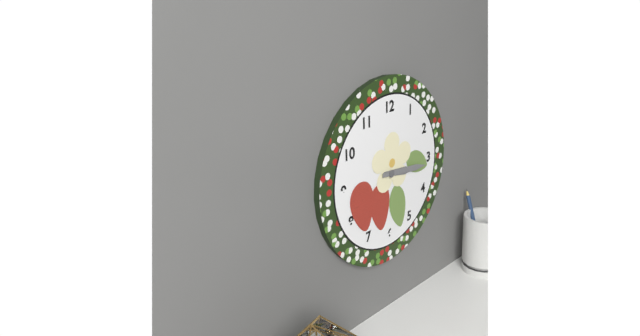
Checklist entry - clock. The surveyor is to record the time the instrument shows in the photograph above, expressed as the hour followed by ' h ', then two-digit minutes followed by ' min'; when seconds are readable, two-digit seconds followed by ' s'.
3 h 16 min
